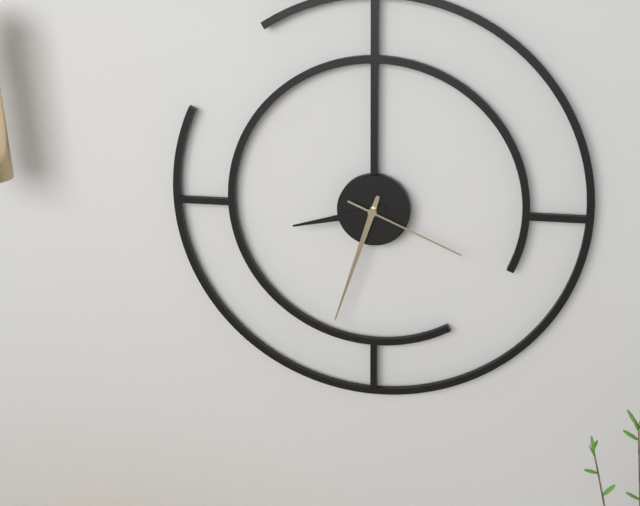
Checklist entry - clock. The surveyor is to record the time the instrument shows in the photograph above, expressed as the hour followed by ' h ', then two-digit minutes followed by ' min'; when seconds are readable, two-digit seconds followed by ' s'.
8 h 33 min 19 s
